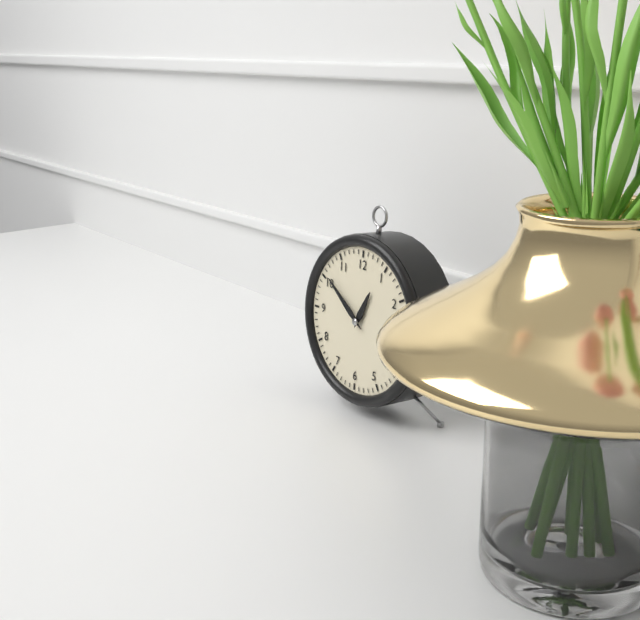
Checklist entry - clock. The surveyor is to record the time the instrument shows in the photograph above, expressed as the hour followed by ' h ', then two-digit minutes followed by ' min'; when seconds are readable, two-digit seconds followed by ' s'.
12 h 51 min
